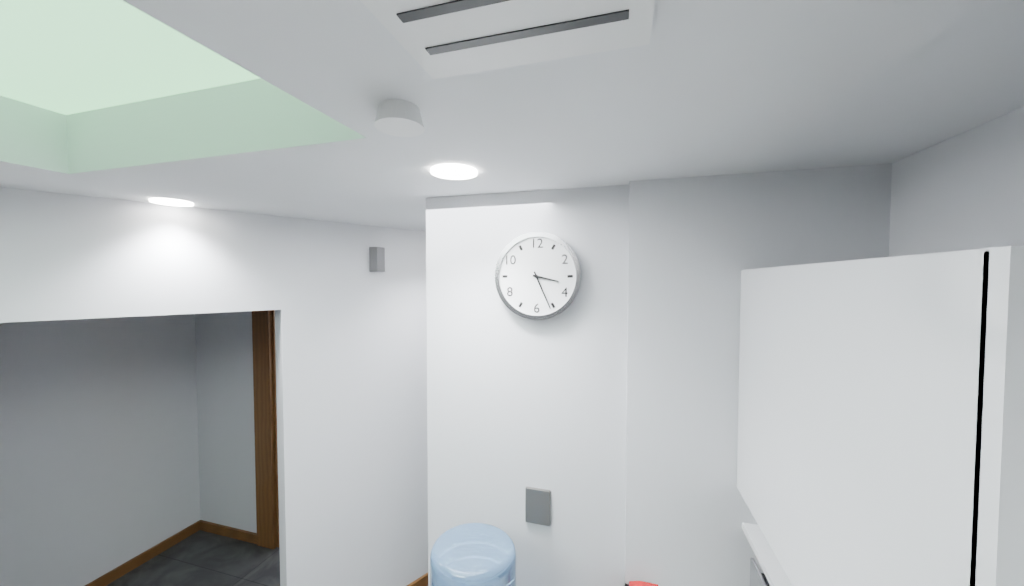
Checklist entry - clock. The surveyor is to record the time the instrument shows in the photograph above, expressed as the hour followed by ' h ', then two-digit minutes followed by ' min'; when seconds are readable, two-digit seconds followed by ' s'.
3 h 26 min
